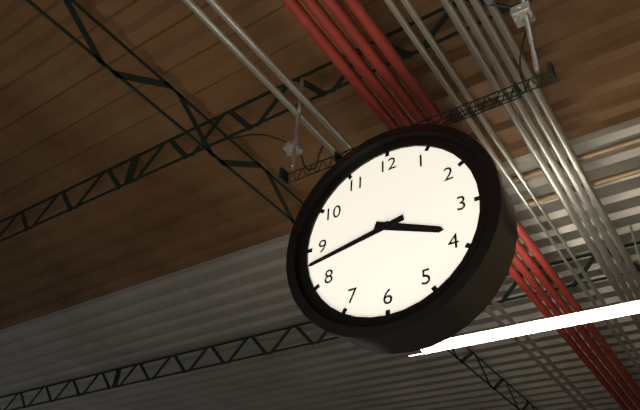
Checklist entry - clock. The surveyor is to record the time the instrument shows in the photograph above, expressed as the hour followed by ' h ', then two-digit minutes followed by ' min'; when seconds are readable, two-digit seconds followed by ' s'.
3 h 43 min
